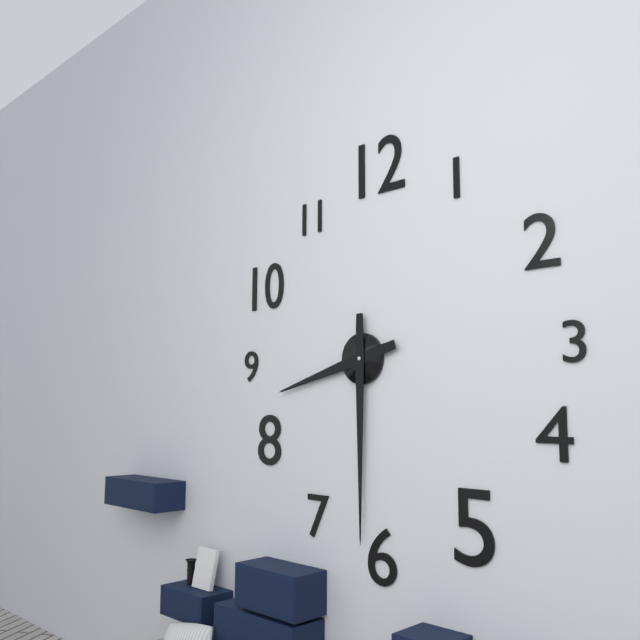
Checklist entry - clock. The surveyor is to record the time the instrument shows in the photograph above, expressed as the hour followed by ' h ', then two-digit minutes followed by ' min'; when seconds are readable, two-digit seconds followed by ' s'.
8 h 30 min
